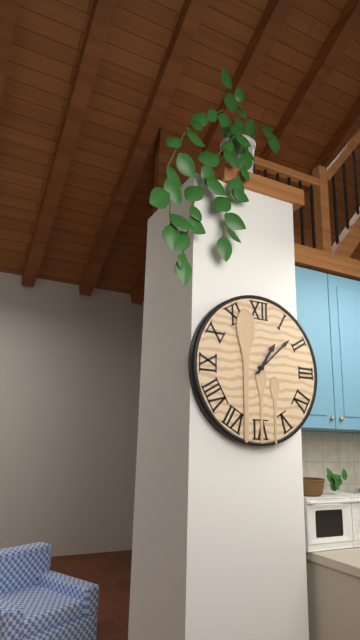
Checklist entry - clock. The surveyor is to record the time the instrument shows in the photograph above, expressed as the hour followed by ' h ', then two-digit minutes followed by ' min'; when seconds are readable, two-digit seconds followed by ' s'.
1 h 08 min
